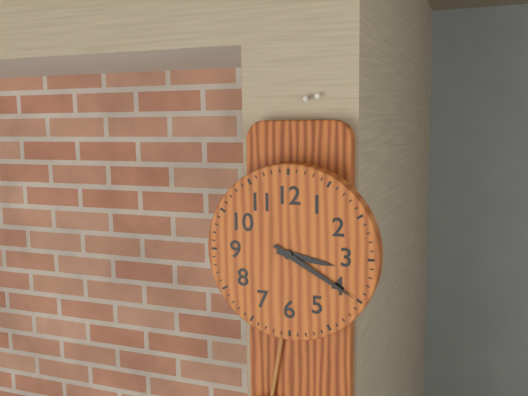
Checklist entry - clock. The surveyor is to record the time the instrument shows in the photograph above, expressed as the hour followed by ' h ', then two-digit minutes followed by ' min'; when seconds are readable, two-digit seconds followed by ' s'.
3 h 20 min
